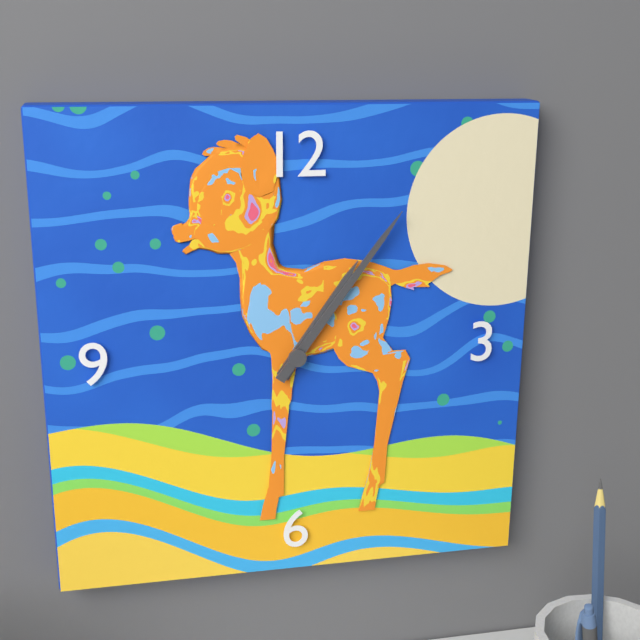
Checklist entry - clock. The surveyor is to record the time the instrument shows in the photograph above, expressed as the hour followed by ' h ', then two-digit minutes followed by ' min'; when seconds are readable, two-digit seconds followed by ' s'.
1 h 06 min
